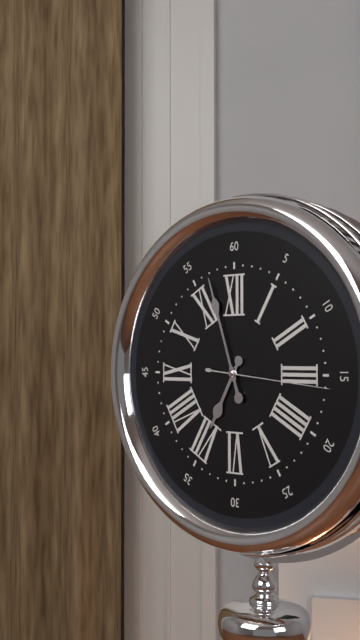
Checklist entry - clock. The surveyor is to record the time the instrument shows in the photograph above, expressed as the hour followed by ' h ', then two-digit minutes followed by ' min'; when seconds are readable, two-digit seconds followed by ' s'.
6 h 57 min 16 s
